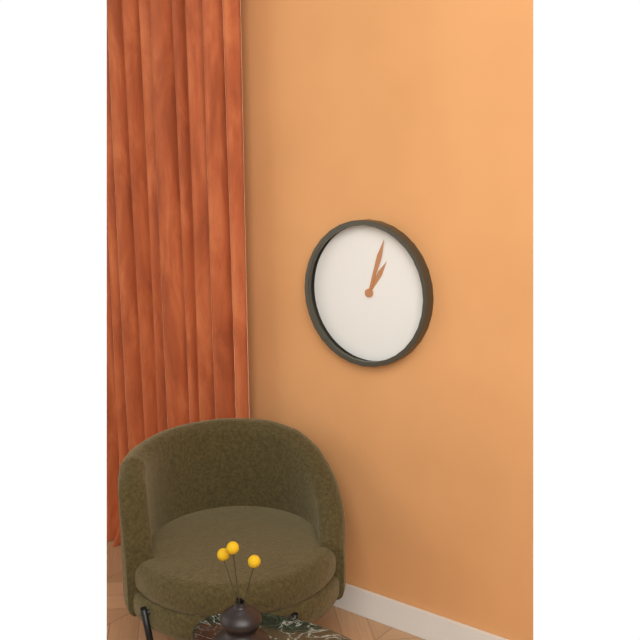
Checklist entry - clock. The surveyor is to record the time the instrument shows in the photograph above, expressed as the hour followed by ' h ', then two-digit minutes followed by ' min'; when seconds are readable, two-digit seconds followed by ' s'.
1 h 03 min
